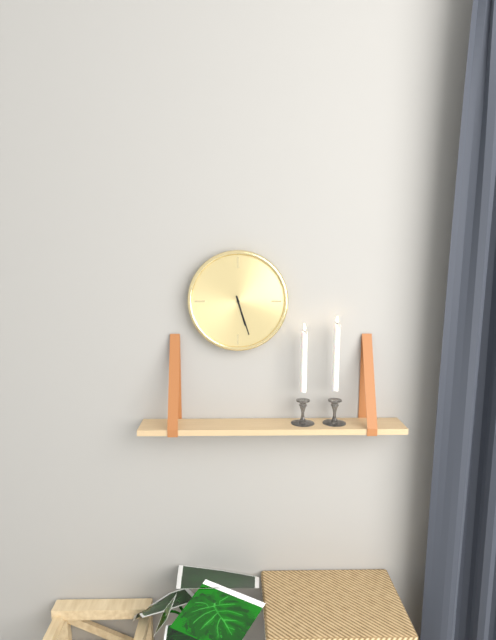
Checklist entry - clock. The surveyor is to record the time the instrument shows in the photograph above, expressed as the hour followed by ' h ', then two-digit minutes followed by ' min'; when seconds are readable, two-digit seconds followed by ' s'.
5 h 27 min
